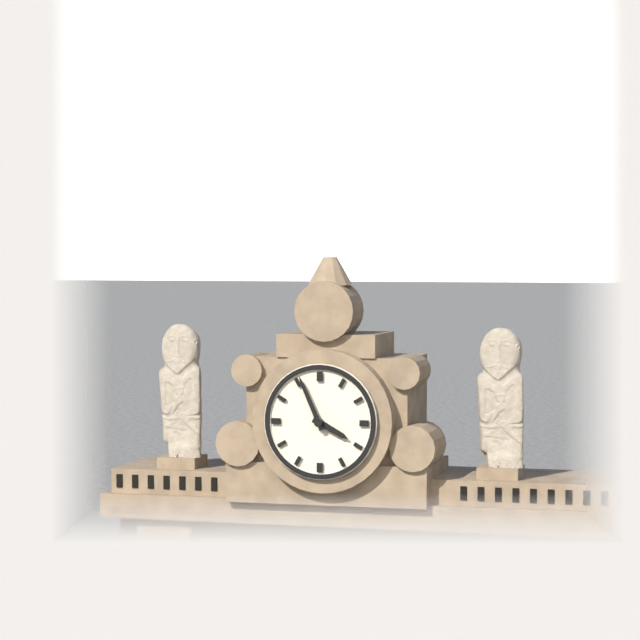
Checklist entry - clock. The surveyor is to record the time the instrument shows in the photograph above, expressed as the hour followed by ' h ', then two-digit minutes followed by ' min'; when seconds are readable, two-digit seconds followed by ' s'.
3 h 56 min
